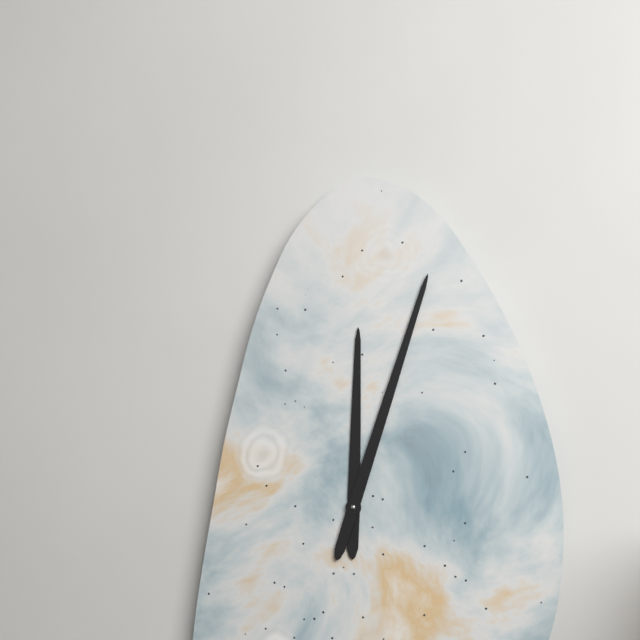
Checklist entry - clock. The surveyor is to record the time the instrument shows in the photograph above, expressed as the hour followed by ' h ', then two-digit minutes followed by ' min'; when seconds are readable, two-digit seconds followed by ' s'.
12 h 03 min
